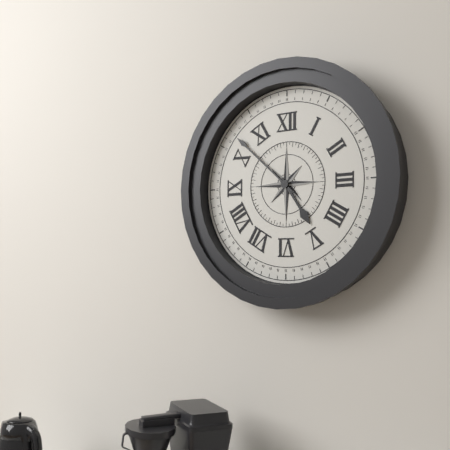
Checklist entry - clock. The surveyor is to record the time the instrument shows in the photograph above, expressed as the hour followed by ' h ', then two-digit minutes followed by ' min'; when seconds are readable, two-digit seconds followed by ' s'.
4 h 52 min
